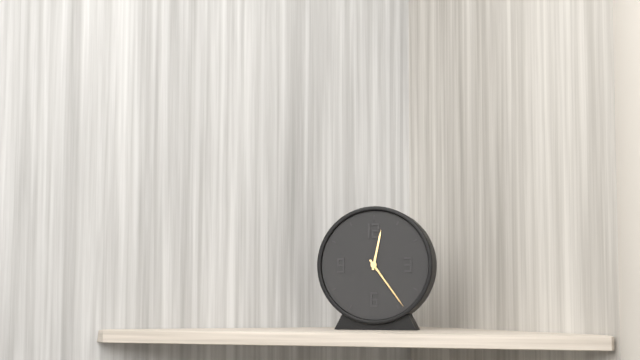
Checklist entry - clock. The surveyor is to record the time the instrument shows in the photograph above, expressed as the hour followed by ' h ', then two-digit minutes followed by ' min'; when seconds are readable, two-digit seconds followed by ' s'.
12 h 24 min
